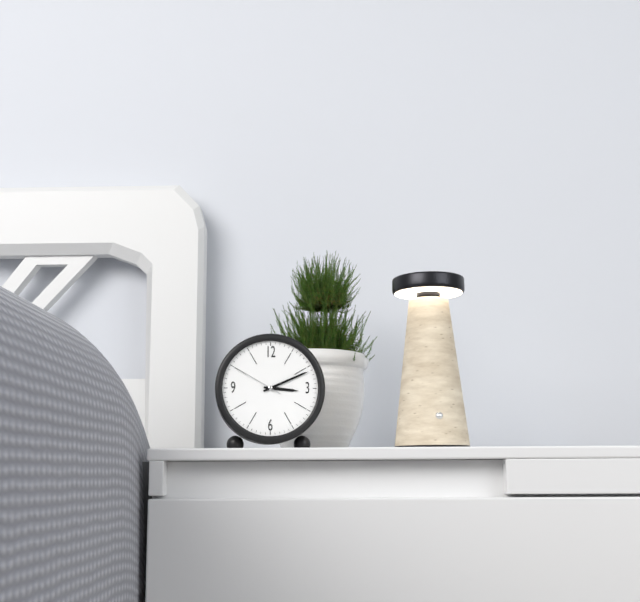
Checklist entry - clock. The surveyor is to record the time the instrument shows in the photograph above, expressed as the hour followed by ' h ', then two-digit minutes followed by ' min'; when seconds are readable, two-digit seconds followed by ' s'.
3 h 11 min 50 s
